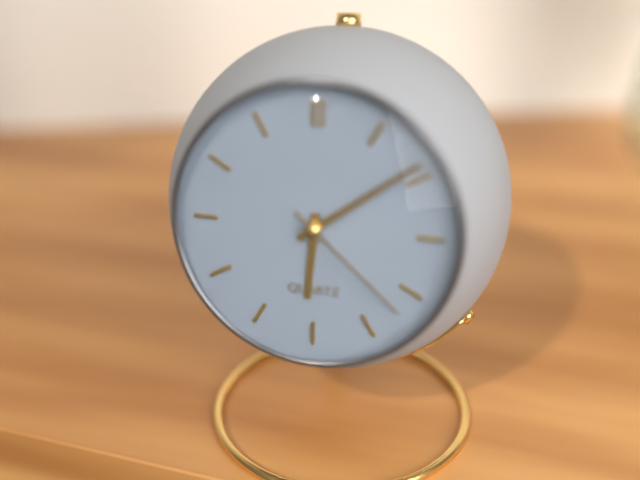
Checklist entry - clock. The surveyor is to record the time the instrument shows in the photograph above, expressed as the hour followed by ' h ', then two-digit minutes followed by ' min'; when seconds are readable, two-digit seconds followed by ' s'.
6 h 09 min 22 s
